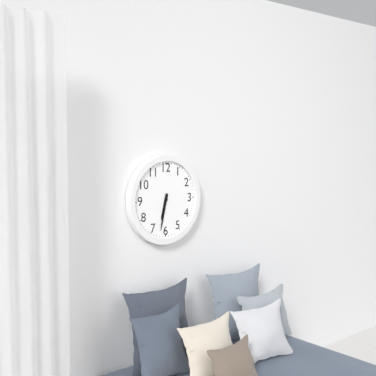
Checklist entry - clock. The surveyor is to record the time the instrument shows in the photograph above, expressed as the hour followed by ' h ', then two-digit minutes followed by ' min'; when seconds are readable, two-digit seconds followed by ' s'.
6 h 32 min
